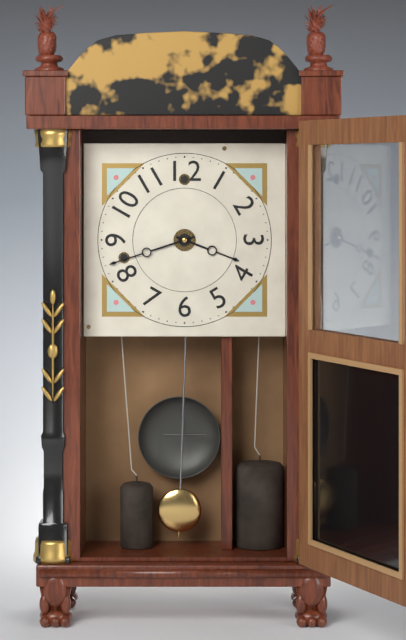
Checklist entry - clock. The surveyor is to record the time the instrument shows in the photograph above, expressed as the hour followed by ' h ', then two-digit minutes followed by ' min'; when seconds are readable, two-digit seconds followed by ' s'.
3 h 42 min
